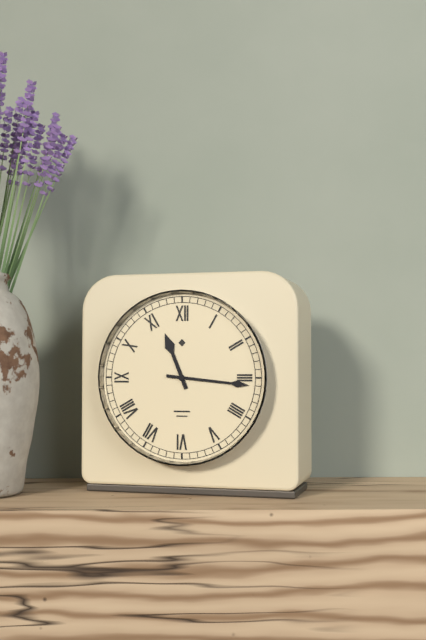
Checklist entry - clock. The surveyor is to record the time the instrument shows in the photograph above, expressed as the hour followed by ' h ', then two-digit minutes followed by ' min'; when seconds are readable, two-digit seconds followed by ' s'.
11 h 16 min
